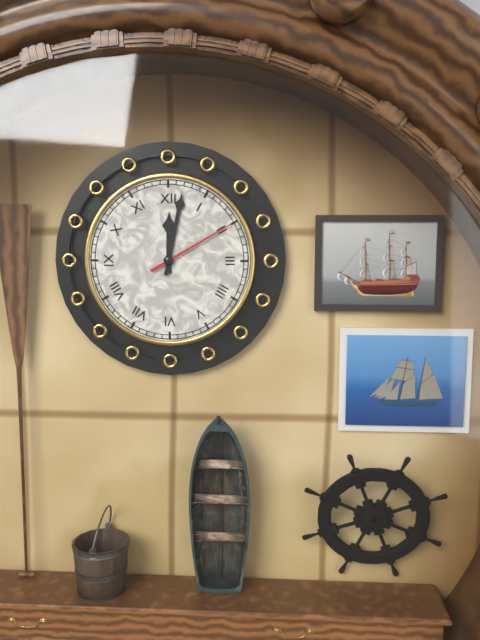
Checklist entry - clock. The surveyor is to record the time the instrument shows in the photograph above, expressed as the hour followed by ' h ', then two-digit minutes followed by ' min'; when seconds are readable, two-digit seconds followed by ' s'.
12 h 02 min 10 s
